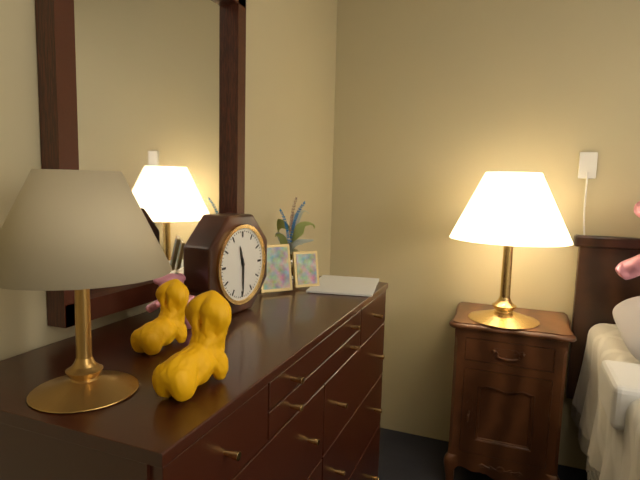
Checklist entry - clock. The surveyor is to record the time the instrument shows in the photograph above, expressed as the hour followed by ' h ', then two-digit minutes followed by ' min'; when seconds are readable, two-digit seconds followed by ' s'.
11 h 30 min
